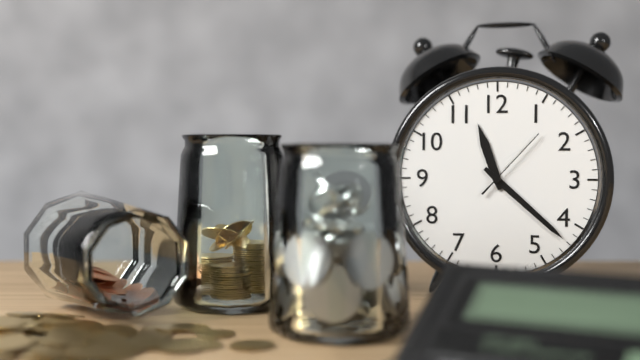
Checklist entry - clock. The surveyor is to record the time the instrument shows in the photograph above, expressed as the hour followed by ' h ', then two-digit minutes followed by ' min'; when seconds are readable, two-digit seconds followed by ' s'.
11 h 22 min 07 s
